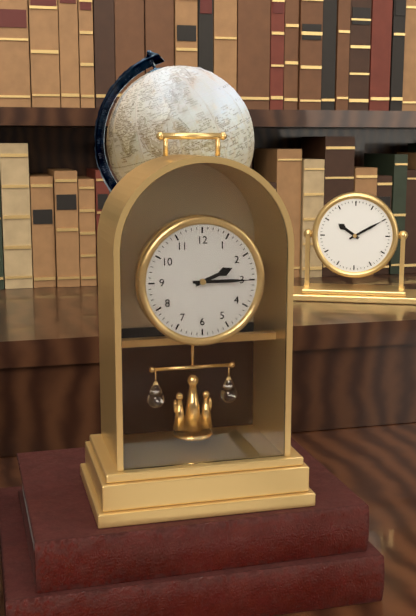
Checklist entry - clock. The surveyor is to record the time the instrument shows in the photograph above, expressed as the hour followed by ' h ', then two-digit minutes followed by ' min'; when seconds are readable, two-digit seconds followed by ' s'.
2 h 15 min
